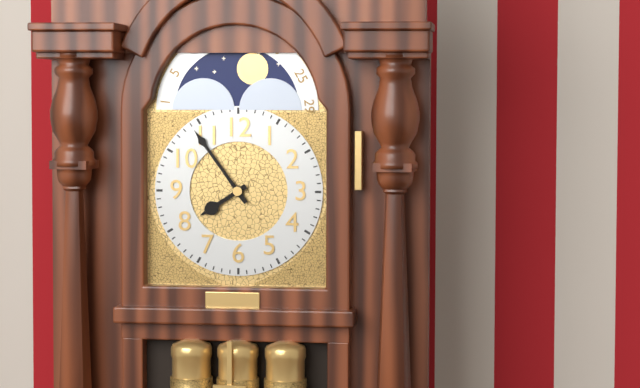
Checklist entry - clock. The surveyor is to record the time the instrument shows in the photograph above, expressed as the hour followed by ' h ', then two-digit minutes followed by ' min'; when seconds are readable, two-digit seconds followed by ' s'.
7 h 54 min
